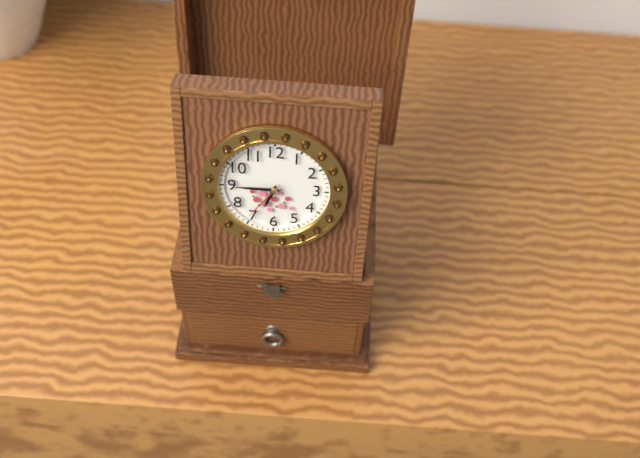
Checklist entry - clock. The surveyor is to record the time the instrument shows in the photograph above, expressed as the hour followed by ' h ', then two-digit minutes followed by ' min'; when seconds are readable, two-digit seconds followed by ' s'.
6 h 45 min
